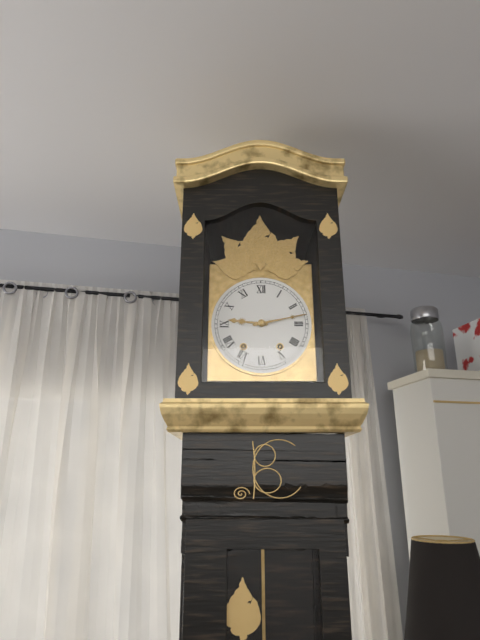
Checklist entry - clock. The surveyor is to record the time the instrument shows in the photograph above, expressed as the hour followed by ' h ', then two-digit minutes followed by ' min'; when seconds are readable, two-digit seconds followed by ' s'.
9 h 13 min
